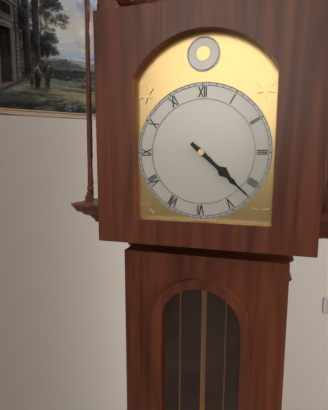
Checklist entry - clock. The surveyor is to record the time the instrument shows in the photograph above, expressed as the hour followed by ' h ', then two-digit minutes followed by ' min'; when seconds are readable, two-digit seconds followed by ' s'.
4 h 22 min
